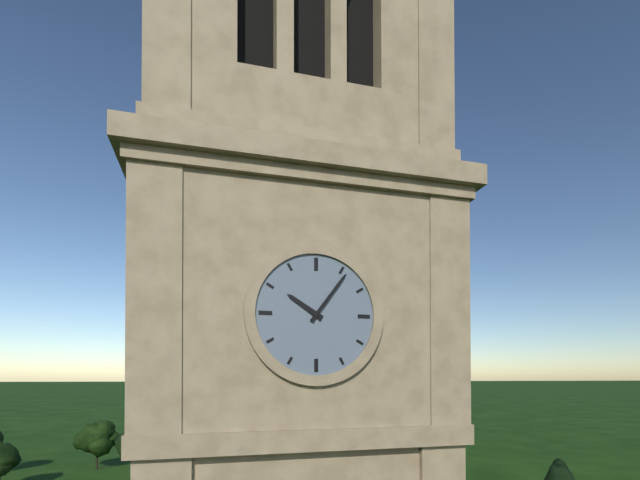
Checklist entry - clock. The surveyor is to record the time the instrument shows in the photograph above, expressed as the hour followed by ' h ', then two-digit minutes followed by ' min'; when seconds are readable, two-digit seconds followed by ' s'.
10 h 06 min
